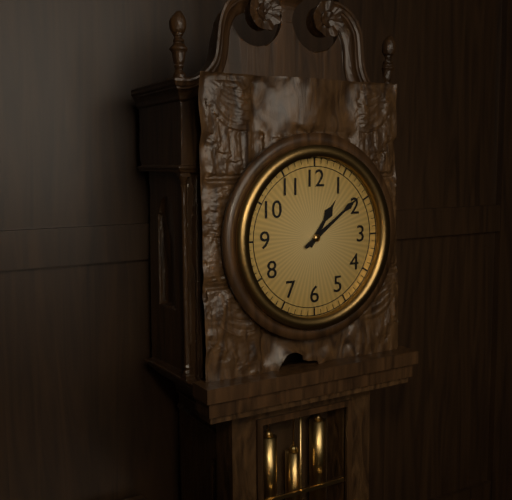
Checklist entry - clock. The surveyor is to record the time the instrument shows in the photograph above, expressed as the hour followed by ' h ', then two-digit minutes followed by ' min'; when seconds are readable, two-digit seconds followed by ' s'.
1 h 09 min
